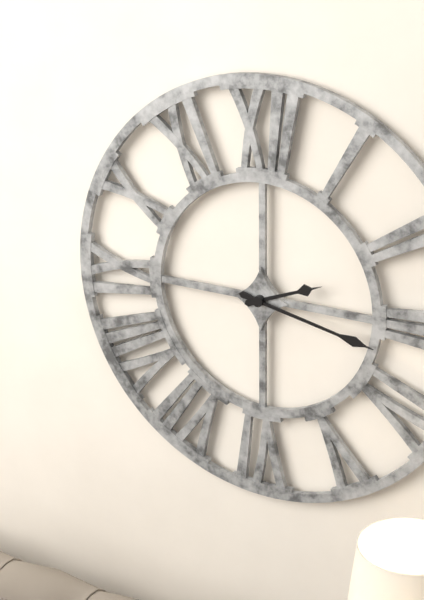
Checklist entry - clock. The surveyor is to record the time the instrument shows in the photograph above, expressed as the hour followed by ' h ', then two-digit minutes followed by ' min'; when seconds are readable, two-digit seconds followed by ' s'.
2 h 17 min
